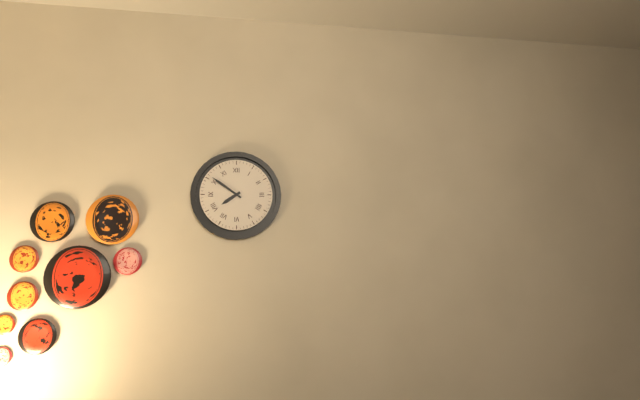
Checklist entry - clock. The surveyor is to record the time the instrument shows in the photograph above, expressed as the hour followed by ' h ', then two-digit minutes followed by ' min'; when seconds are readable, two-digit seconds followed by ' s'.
7 h 51 min
